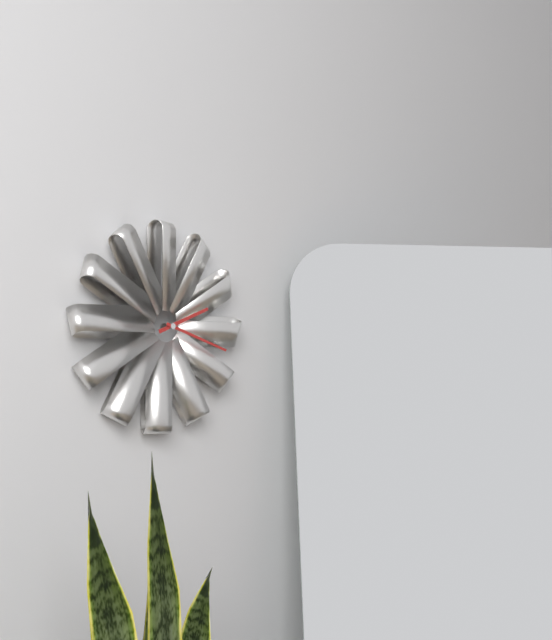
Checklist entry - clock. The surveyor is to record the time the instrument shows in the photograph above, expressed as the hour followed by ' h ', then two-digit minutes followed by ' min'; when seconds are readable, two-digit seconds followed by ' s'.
2 h 18 min
